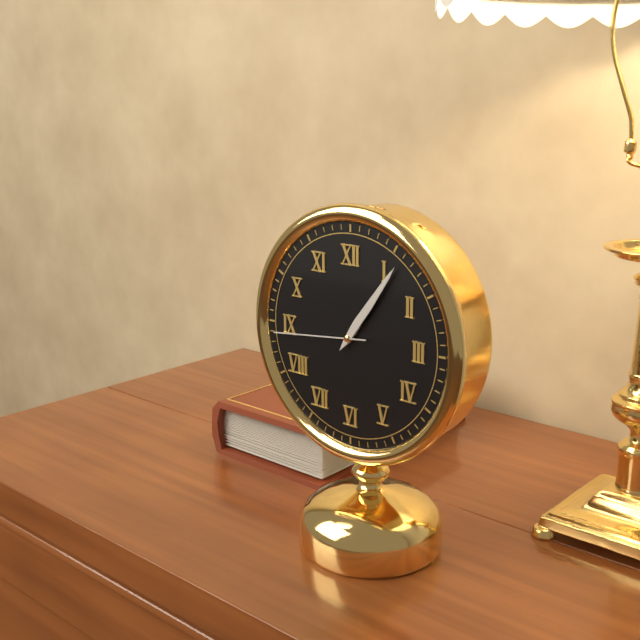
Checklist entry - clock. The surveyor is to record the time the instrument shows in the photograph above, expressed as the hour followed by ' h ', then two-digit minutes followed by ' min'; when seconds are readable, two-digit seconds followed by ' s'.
1 h 06 min 44 s
